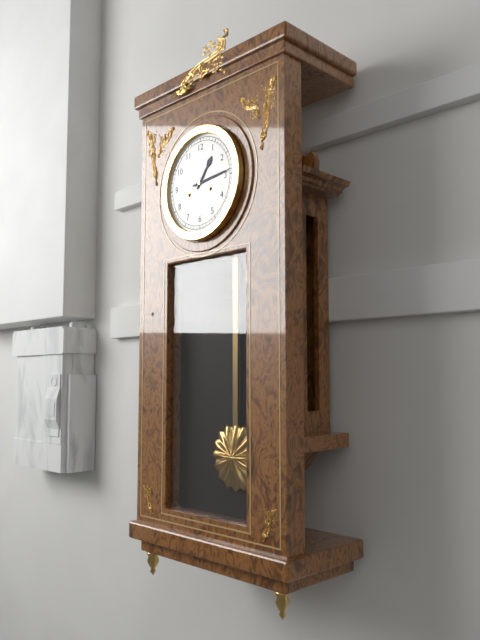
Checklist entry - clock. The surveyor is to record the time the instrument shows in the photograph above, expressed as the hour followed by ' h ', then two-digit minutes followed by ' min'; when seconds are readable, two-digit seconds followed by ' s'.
1 h 14 min
